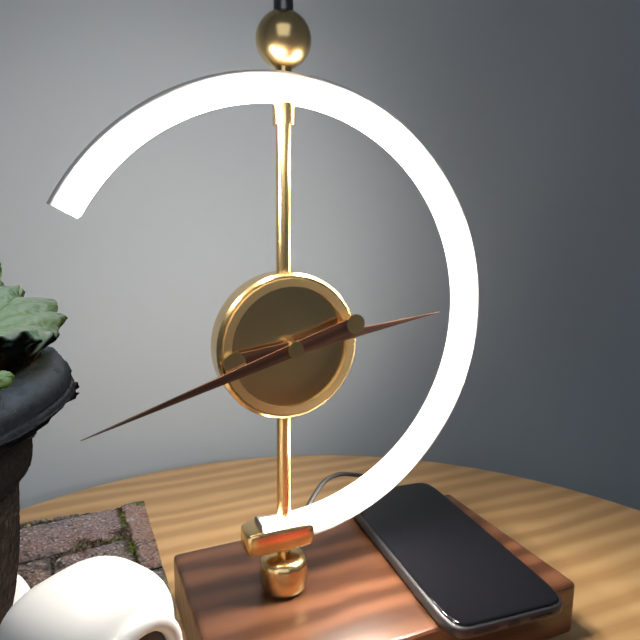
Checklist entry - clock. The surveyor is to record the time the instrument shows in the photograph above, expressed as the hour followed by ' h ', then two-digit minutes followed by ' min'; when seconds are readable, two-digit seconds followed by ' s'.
2 h 42 min
